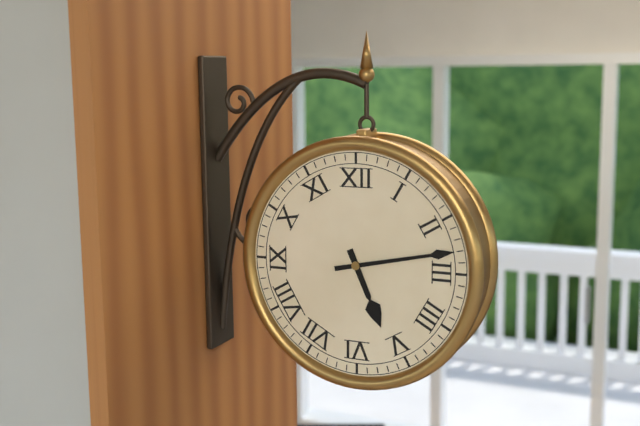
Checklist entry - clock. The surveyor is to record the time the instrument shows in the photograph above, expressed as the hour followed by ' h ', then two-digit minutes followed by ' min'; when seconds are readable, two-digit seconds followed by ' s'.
5 h 13 min
